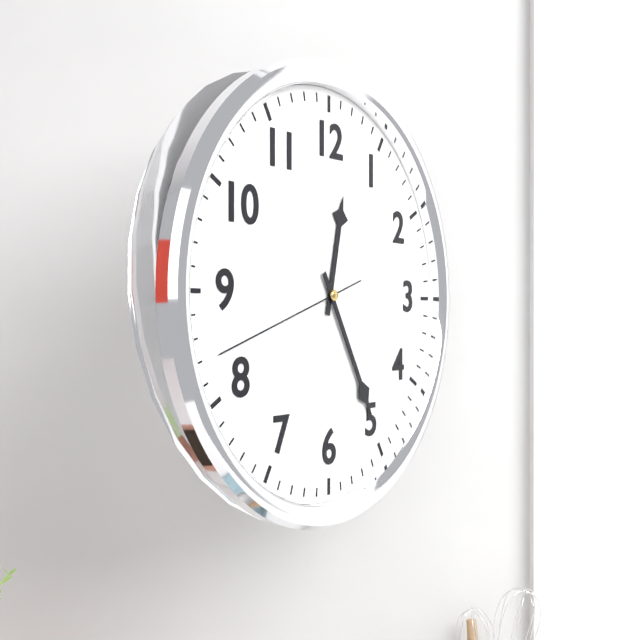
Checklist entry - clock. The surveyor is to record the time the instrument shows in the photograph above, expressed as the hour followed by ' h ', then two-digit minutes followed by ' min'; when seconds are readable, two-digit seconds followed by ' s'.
12 h 25 min 42 s
